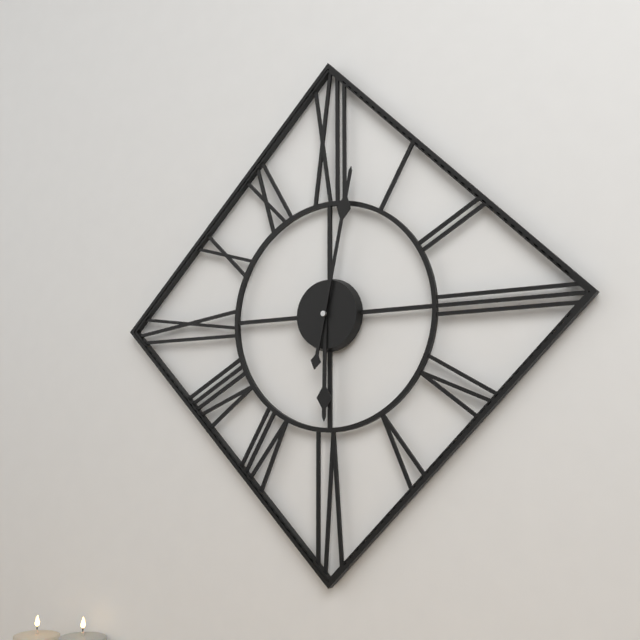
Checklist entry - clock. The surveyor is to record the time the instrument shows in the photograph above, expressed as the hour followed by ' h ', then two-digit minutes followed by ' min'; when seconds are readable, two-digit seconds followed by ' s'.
6 h 02 min
